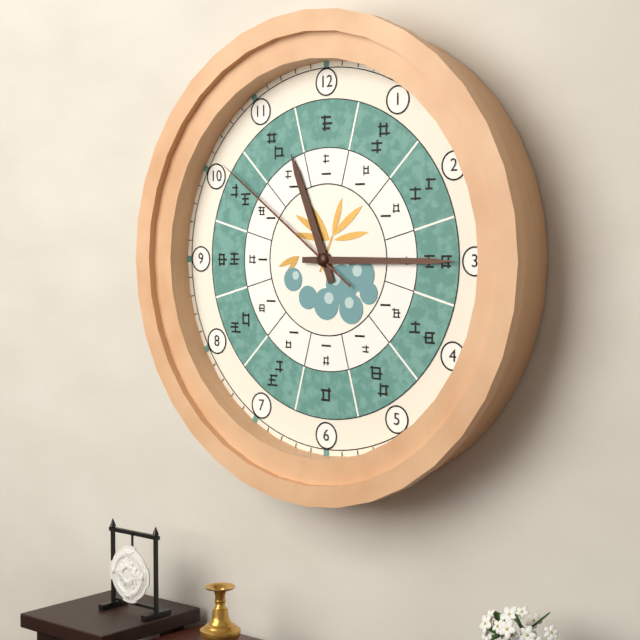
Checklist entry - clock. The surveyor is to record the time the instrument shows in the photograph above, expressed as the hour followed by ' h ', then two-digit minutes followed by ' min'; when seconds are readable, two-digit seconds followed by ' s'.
11 h 15 min 51 s
